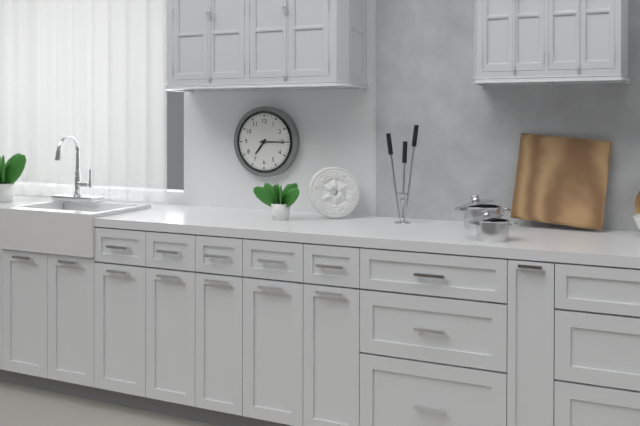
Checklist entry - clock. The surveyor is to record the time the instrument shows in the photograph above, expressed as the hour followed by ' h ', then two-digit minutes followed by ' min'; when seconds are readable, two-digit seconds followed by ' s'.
7 h 15 min
